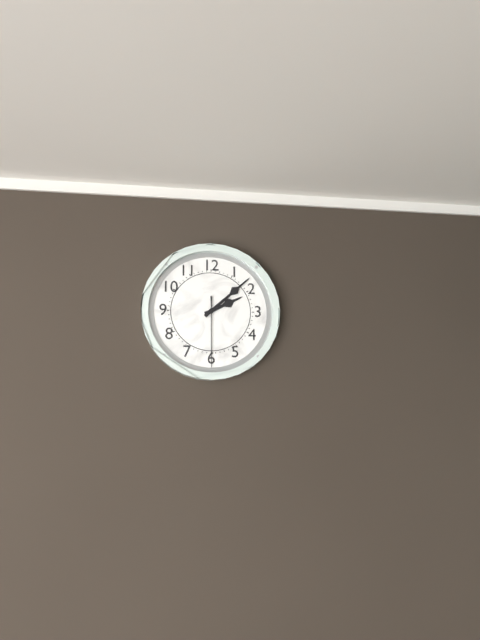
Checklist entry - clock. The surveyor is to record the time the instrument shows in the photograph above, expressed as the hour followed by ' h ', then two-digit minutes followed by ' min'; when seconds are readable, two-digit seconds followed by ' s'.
2 h 08 min 30 s
